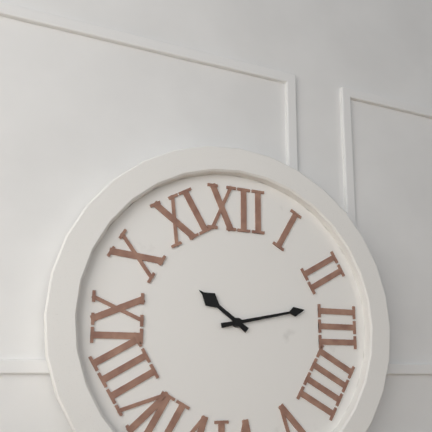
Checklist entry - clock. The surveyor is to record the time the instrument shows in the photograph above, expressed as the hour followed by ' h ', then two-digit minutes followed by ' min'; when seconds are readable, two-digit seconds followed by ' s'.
10 h 13 min
